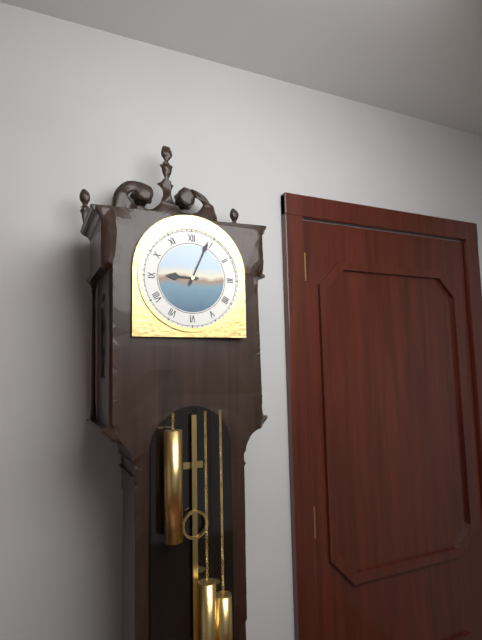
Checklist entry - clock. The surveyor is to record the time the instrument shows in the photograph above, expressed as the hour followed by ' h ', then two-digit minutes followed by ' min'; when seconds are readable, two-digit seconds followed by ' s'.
9 h 04 min
